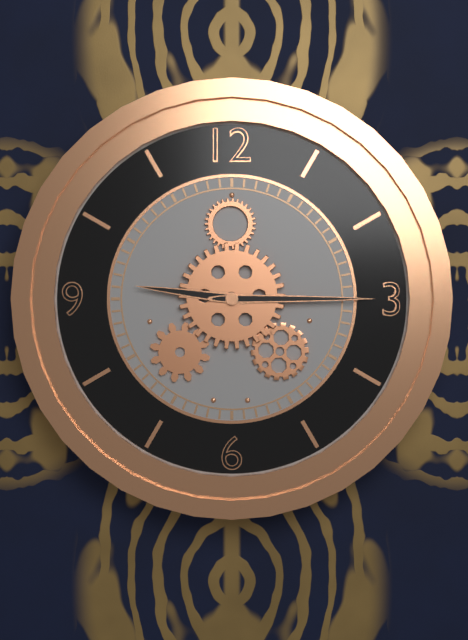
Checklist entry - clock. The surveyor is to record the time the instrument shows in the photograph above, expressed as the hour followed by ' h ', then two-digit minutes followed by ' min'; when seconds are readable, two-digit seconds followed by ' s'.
9 h 15 min
